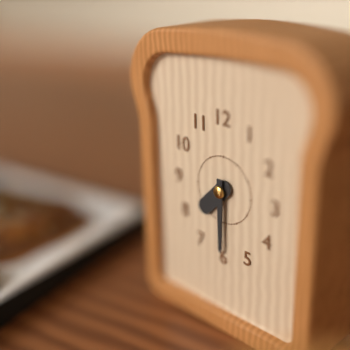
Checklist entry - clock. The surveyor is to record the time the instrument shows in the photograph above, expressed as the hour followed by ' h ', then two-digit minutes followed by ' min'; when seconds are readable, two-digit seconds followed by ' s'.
7 h 30 min
